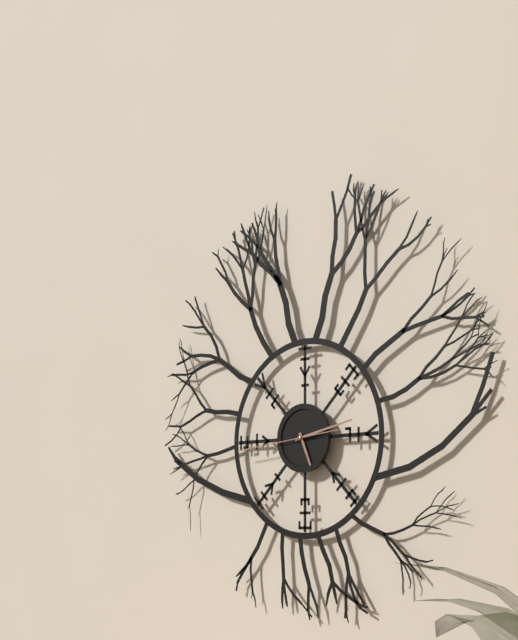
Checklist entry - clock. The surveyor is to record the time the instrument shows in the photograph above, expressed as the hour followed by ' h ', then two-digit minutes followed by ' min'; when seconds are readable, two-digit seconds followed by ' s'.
5 h 13 min 44 s
